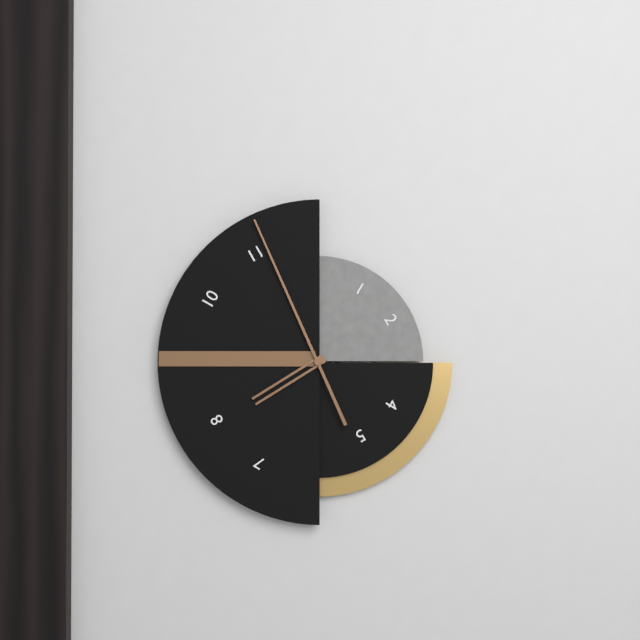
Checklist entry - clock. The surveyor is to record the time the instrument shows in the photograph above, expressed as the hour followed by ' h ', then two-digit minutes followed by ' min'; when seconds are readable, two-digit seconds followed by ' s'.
7 h 56 min
